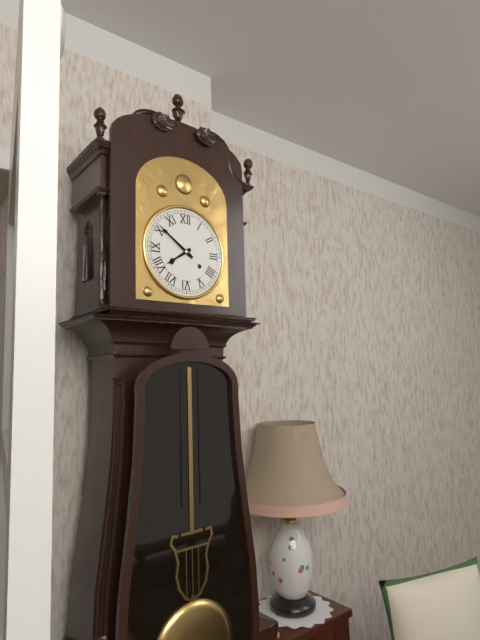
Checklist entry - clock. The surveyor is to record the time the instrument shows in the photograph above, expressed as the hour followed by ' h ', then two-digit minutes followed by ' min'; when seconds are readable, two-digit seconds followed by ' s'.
7 h 51 min
